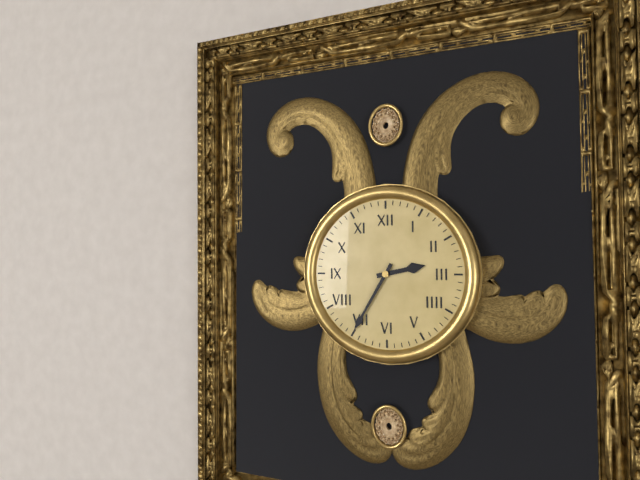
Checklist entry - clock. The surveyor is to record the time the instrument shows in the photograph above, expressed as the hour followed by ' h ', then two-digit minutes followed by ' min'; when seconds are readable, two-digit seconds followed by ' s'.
2 h 35 min
